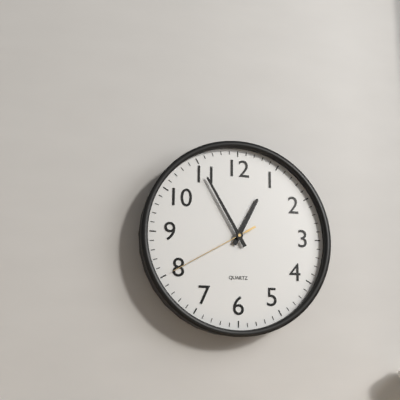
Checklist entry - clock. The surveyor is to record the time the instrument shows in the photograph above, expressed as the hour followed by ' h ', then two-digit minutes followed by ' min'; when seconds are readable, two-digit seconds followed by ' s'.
12 h 55 min 40 s
